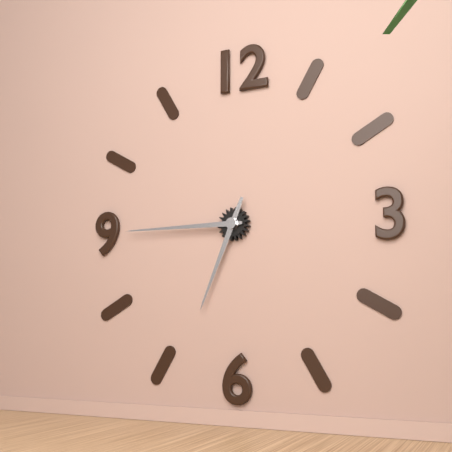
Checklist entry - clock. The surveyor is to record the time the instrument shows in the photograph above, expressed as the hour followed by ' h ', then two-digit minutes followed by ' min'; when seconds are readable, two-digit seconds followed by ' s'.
6 h 45 min
